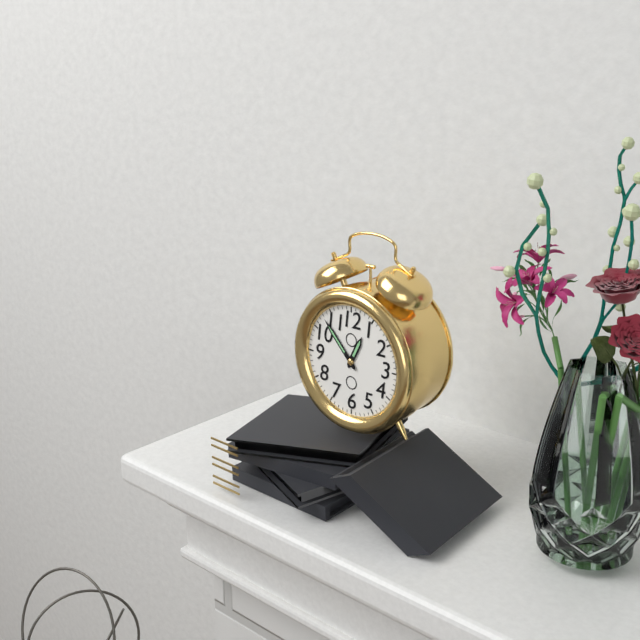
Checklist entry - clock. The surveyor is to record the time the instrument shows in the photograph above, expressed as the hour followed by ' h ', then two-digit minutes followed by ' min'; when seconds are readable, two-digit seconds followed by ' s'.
12 h 53 min
